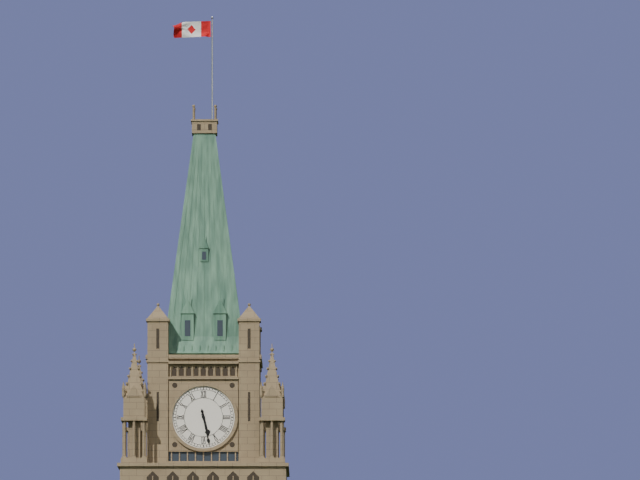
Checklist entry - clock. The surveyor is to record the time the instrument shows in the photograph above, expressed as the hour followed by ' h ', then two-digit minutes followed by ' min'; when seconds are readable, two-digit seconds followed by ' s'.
5 h 28 min
